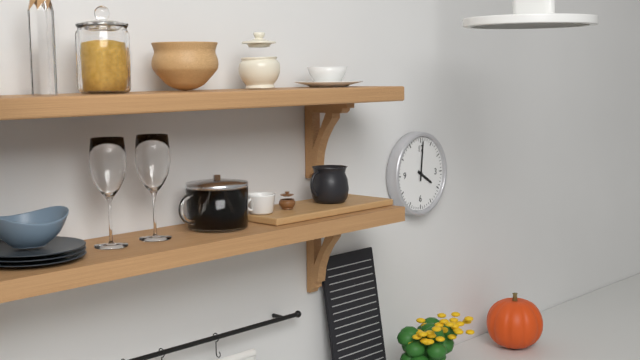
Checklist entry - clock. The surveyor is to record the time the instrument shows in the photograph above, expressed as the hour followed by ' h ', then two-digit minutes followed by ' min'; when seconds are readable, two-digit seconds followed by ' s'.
4 h 01 min
